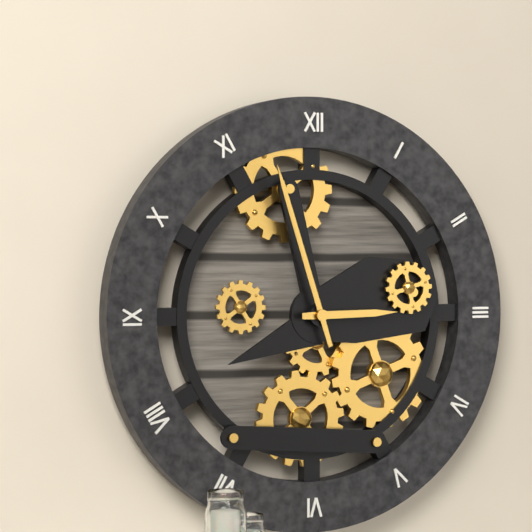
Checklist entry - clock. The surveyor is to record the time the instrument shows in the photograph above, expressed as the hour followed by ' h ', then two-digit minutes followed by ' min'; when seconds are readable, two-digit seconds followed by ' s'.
2 h 57 min
